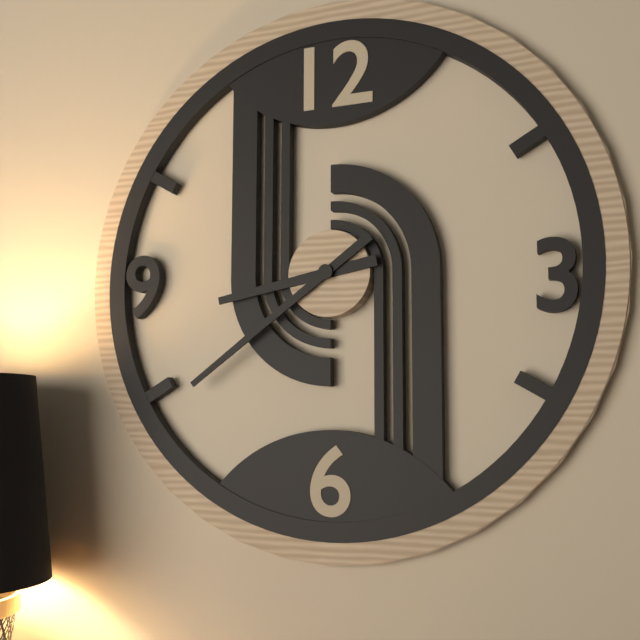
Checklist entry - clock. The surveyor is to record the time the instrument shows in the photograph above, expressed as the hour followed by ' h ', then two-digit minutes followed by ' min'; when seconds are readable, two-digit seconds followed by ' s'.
8 h 39 min
